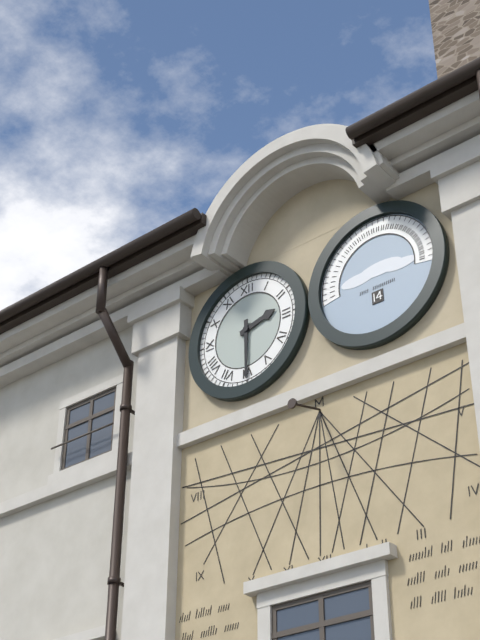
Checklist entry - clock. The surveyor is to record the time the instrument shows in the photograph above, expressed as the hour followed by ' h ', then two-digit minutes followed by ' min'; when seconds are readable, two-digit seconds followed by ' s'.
2 h 30 min
